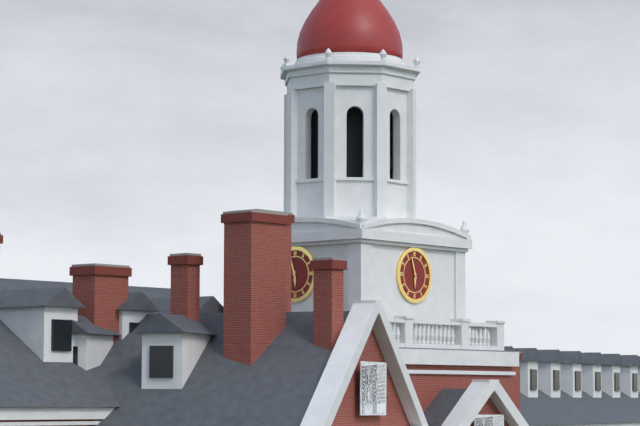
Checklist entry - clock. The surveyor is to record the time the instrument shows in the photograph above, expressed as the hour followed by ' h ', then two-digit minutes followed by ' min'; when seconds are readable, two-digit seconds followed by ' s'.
5 h 57 min
